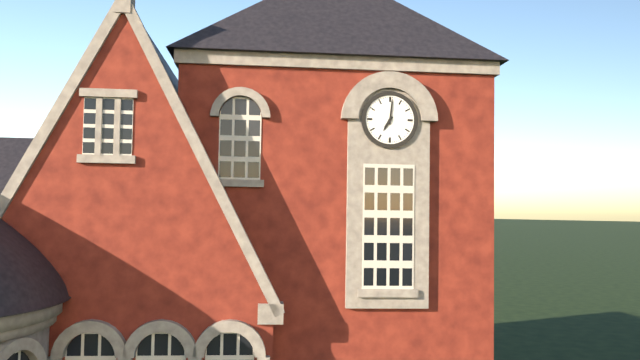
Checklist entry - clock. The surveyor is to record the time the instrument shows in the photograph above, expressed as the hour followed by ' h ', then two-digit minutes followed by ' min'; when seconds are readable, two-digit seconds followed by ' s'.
7 h 01 min
